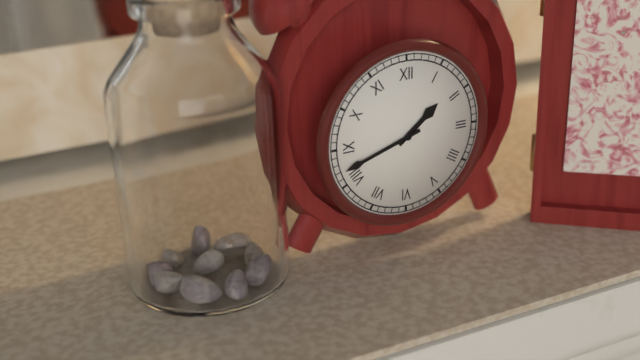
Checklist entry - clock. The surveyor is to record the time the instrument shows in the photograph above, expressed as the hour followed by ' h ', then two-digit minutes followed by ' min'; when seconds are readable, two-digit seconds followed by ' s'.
1 h 42 min
